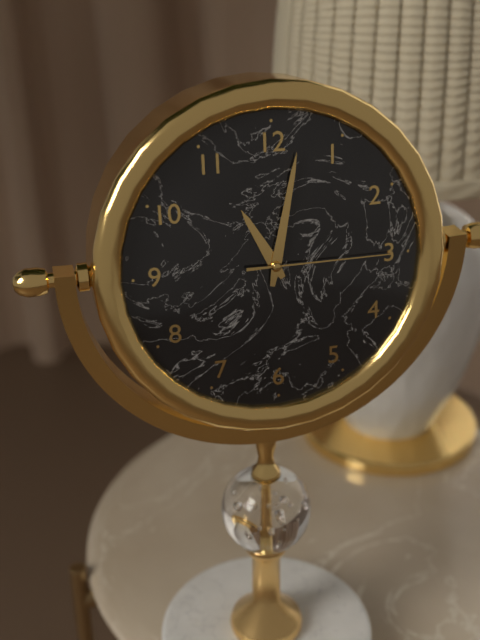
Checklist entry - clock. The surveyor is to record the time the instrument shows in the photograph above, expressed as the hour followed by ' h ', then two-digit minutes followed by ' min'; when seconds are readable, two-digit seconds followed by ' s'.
11 h 02 min 15 s
